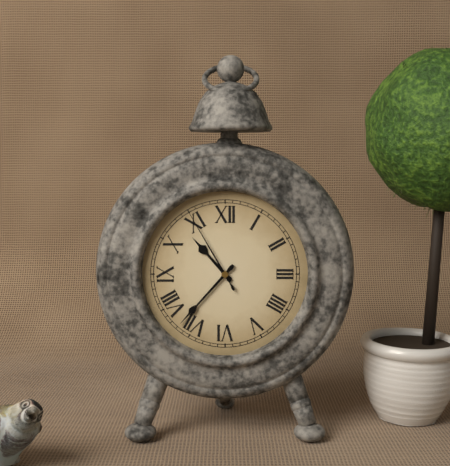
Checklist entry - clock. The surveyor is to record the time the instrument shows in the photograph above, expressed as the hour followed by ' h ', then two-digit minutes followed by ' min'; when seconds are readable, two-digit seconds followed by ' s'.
10 h 37 min 55 s
